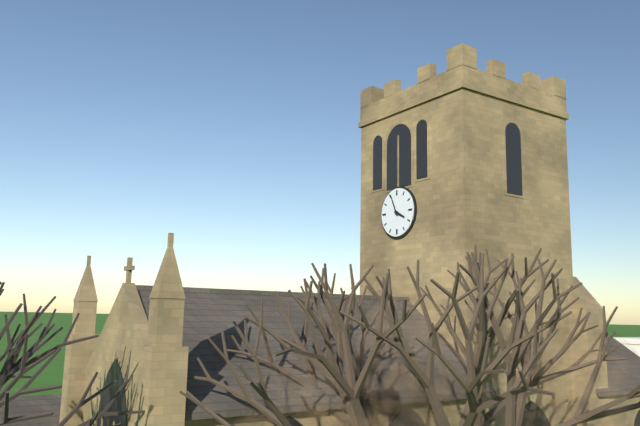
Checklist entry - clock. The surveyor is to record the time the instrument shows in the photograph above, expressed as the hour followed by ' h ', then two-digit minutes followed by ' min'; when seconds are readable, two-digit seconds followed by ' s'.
3 h 56 min
